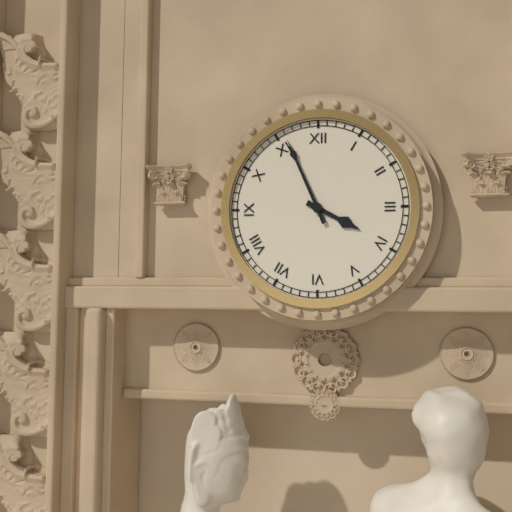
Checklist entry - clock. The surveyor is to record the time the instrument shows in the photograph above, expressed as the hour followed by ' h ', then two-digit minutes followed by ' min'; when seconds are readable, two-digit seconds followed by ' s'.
3 h 56 min
